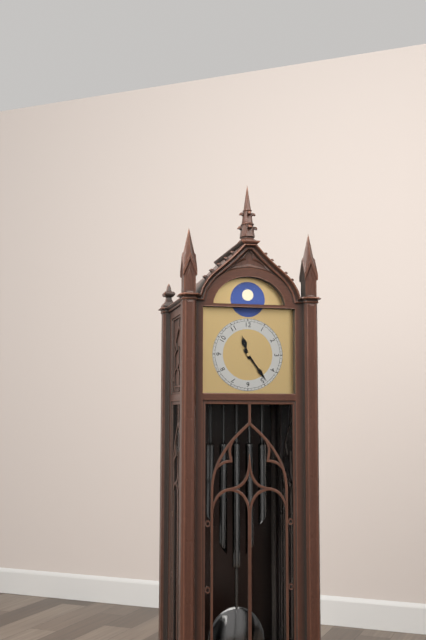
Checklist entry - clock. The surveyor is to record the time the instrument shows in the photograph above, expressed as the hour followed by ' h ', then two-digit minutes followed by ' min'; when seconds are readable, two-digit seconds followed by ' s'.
11 h 24 min
